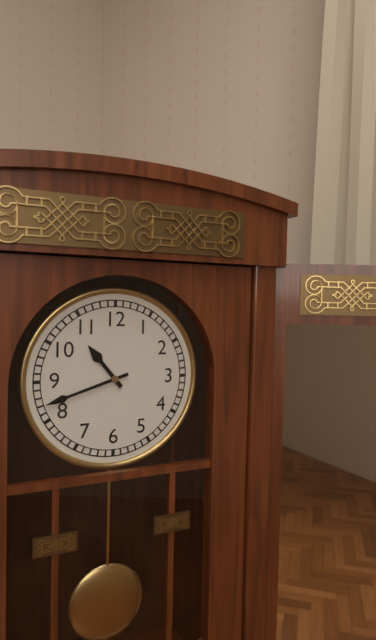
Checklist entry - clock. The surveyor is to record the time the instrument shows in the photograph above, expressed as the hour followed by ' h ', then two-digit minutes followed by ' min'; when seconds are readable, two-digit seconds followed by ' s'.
10 h 42 min
